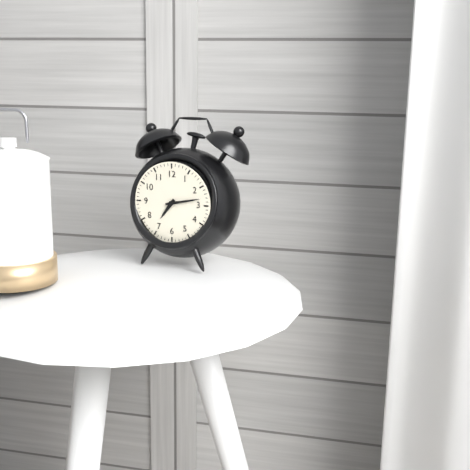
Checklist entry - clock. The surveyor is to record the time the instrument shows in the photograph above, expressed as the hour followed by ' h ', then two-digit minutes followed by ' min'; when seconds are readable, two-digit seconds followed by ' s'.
7 h 13 min
